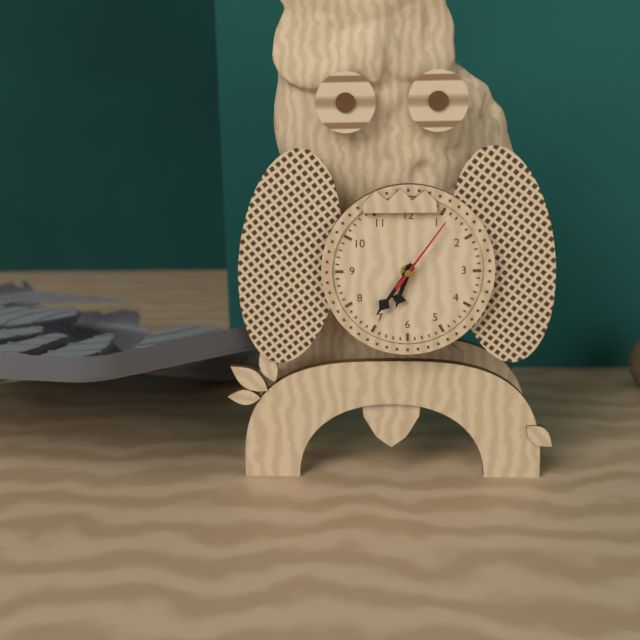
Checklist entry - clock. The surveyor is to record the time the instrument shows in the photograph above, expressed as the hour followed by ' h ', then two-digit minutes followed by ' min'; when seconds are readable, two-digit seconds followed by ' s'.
6 h 36 min 06 s
